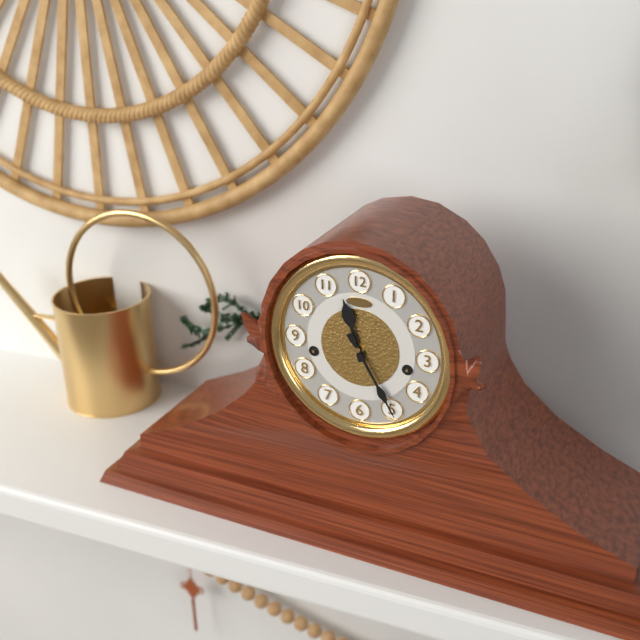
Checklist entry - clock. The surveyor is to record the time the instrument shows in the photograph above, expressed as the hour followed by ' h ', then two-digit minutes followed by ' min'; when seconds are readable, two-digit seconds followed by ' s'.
11 h 25 min
